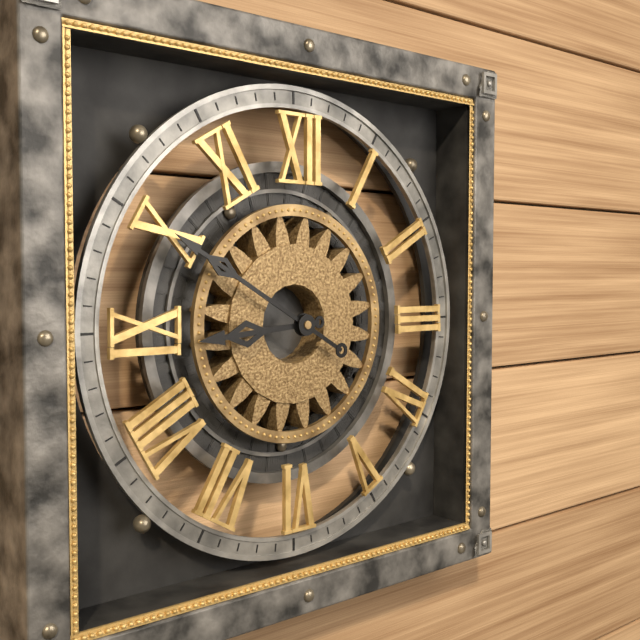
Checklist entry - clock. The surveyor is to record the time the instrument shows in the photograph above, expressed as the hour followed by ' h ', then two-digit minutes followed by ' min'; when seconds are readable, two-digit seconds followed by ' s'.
8 h 50 min
